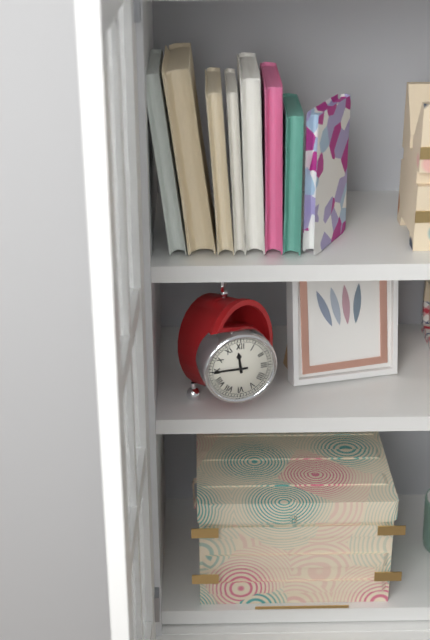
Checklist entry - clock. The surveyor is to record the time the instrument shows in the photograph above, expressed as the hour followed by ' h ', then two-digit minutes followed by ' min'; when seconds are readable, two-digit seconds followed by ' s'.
11 h 45 min
